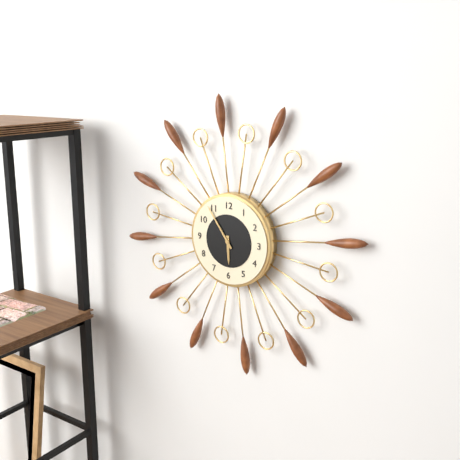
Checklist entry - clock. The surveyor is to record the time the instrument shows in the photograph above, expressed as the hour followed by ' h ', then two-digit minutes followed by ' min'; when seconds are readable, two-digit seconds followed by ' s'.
5 h 54 min
